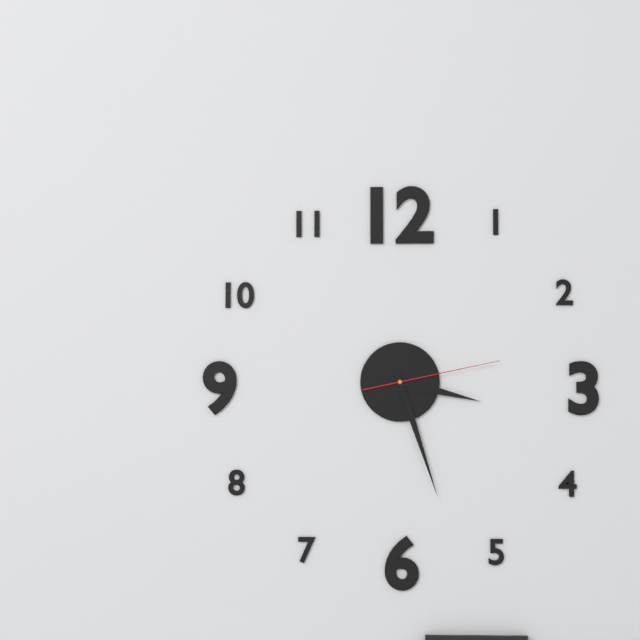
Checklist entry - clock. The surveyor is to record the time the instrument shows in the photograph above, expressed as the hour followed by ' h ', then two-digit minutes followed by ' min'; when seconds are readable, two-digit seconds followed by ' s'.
3 h 27 min 13 s
